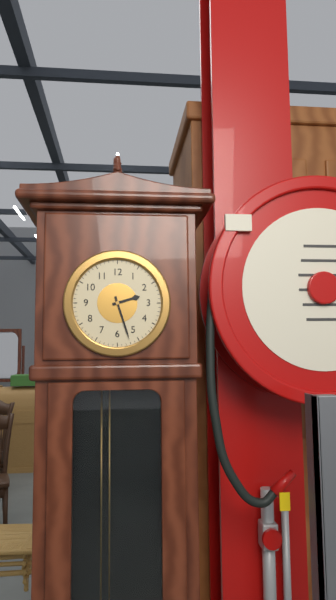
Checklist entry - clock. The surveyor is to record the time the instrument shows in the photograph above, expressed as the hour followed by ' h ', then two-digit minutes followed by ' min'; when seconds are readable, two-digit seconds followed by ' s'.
2 h 27 min
